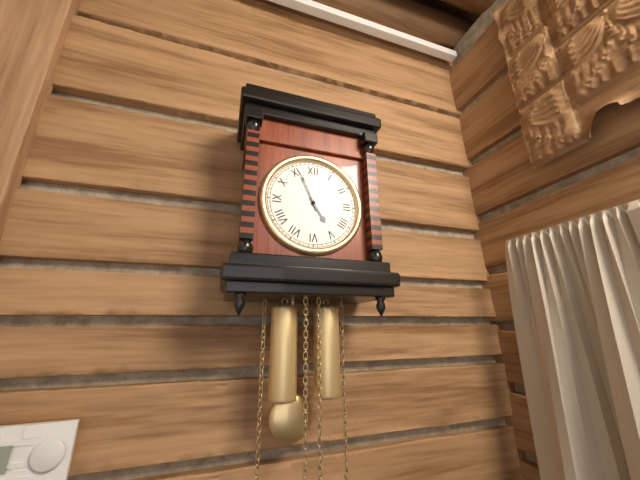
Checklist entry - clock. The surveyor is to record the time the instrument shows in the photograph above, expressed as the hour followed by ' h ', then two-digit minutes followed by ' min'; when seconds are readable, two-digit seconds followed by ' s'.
4 h 56 min
